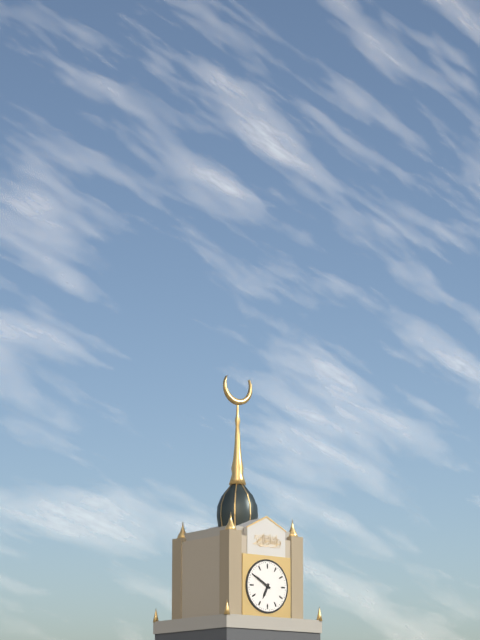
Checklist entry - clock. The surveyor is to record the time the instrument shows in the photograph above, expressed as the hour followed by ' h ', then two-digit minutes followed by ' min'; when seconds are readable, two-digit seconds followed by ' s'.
6 h 50 min
